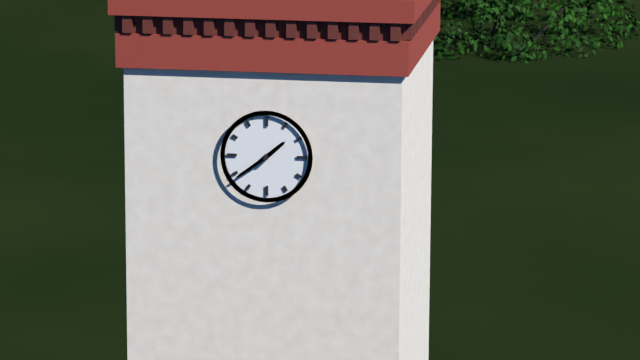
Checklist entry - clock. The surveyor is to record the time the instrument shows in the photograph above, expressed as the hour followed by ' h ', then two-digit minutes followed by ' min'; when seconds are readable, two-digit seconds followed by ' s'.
1 h 39 min
